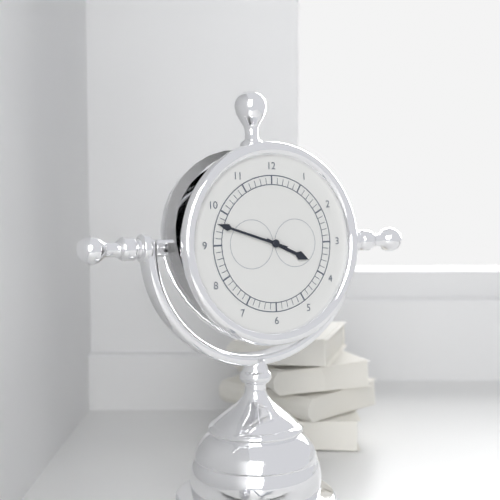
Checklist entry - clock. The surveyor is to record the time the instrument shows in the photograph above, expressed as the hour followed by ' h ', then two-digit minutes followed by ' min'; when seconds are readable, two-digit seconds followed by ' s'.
3 h 48 min
